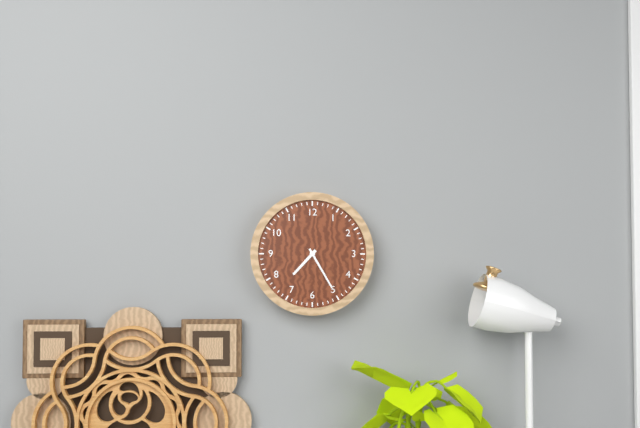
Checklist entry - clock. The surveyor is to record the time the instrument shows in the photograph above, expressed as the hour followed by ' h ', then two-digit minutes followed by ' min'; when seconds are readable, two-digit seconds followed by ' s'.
7 h 25 min
